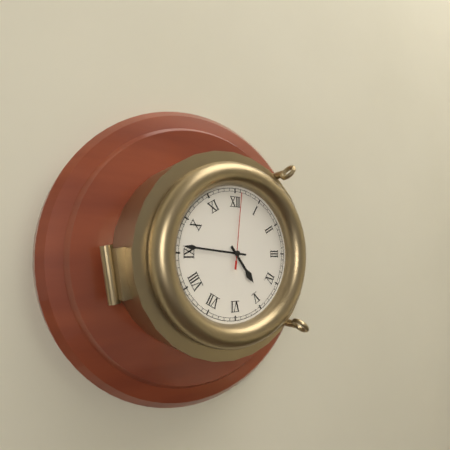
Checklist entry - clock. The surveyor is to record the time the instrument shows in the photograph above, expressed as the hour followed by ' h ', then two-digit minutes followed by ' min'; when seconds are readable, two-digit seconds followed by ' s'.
4 h 46 min 01 s
